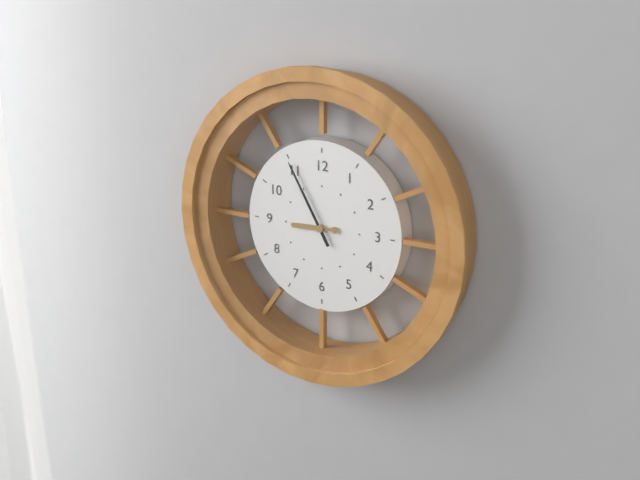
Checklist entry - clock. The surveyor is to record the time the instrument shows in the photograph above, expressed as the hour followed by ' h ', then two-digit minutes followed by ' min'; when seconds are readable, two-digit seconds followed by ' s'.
8 h 55 min
